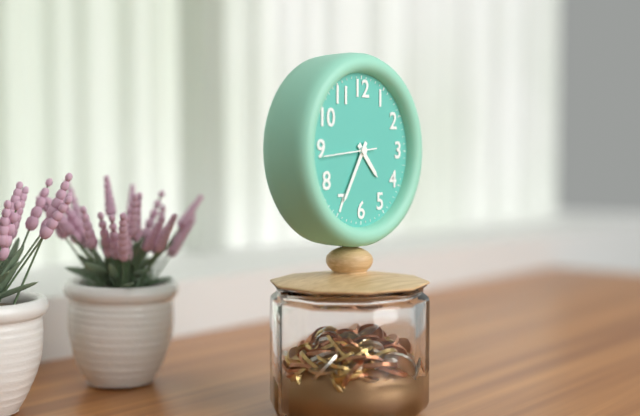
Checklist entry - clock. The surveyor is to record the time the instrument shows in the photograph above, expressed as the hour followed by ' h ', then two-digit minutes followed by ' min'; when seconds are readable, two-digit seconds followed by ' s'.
4 h 35 min 44 s
